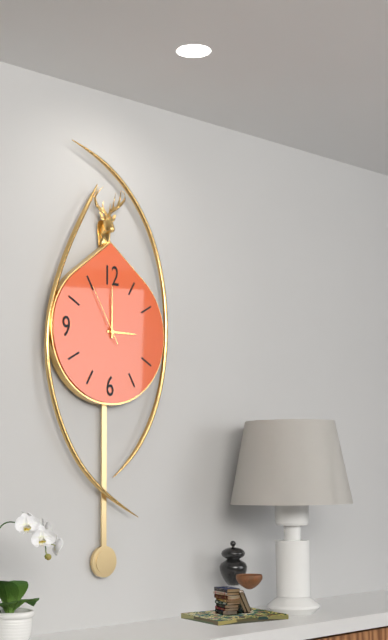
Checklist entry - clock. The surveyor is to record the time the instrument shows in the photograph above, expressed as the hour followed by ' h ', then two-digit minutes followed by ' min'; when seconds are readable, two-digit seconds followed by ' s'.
3 h 00 min 55 s
